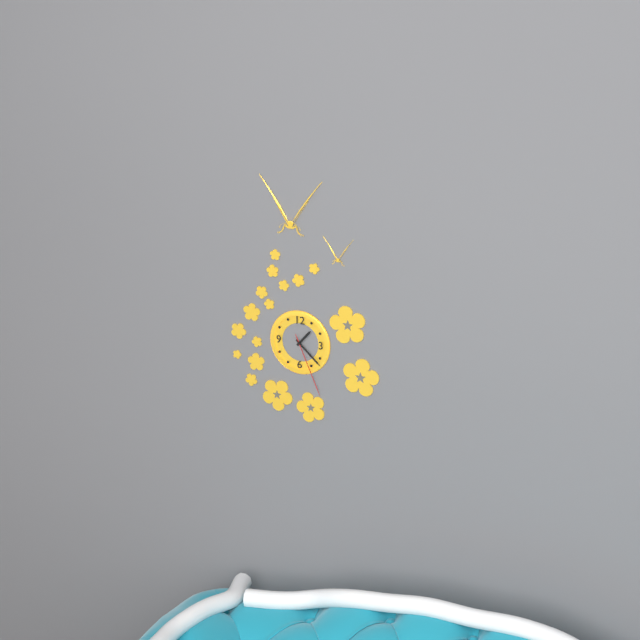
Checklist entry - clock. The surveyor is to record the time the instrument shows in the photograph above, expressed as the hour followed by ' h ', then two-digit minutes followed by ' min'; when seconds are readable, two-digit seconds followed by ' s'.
1 h 22 min 26 s
